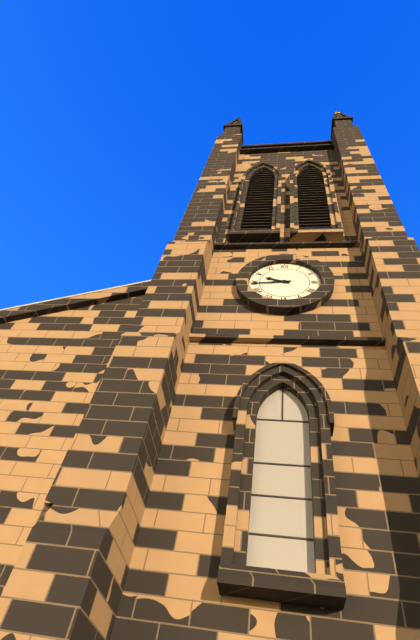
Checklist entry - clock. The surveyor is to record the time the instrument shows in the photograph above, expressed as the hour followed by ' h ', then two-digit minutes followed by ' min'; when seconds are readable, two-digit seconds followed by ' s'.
9 h 44 min
